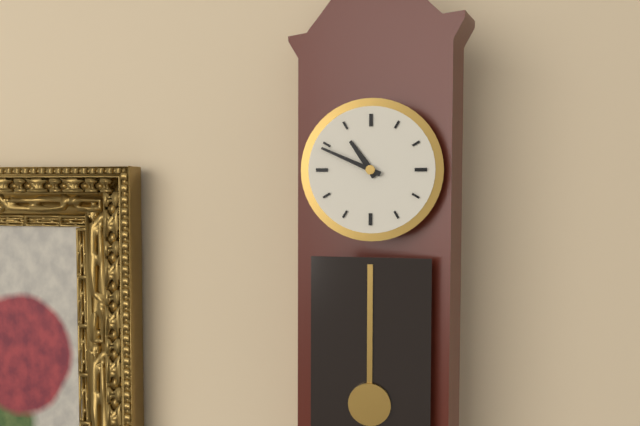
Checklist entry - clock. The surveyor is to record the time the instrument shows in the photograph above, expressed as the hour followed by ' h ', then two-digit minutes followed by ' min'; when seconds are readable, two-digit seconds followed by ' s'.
10 h 49 min
